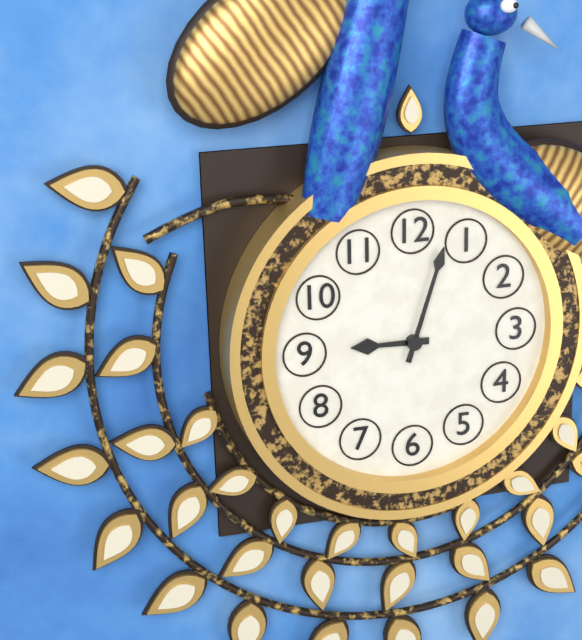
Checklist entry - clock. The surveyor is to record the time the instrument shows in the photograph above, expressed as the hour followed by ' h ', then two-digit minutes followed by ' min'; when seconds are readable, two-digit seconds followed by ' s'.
9 h 03 min
